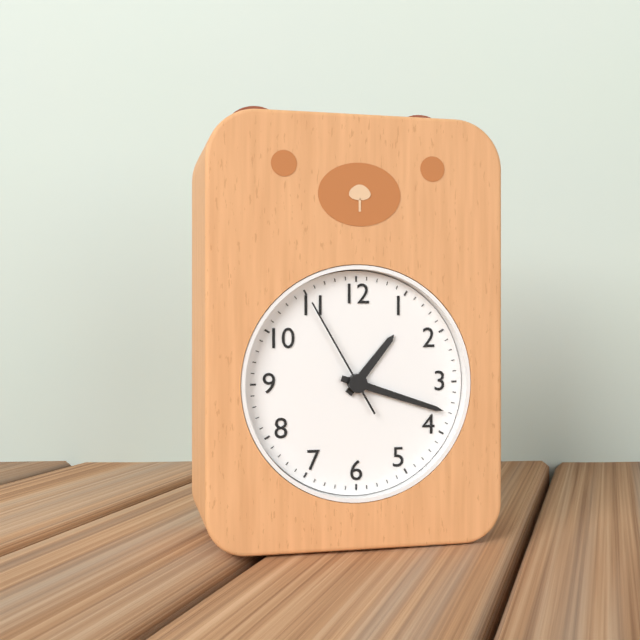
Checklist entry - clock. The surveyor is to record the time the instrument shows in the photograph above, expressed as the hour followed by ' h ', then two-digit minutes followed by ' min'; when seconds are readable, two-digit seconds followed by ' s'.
1 h 18 min 55 s
